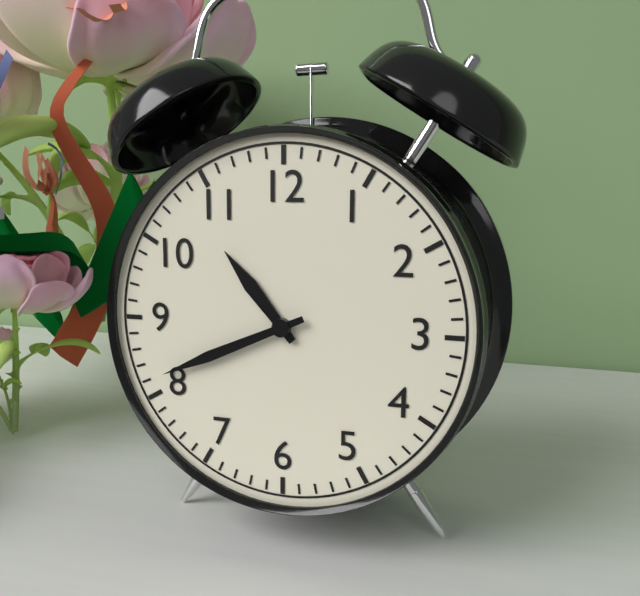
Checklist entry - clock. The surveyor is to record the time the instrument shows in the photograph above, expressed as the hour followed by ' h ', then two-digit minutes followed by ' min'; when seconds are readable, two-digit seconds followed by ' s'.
10 h 41 min
